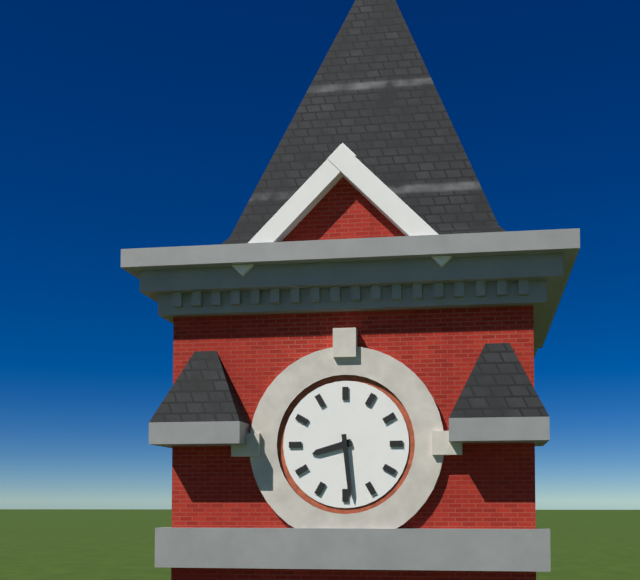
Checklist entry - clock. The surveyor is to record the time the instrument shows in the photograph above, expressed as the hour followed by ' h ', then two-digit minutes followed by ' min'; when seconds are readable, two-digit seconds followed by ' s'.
8 h 29 min
